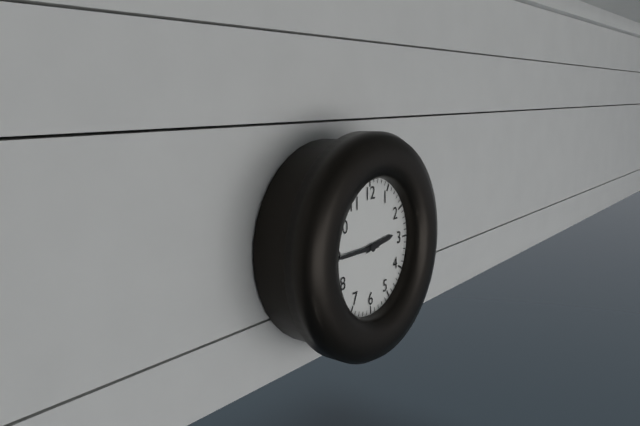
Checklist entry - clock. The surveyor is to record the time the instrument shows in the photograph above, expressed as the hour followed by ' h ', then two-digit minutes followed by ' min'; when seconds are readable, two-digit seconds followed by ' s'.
2 h 45 min
